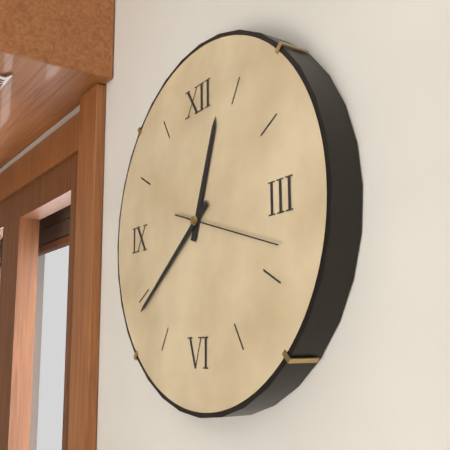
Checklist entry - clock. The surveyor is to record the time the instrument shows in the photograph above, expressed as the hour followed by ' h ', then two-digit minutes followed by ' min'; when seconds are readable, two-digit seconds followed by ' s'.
12 h 39 min 18 s
